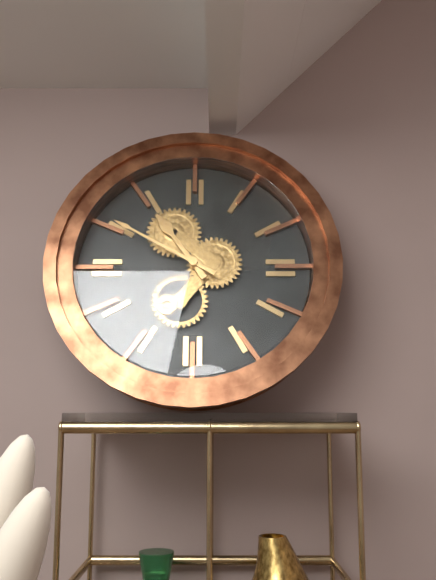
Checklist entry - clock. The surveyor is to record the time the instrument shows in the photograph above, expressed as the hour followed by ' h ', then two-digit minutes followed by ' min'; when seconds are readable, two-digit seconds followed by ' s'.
10 h 50 min
